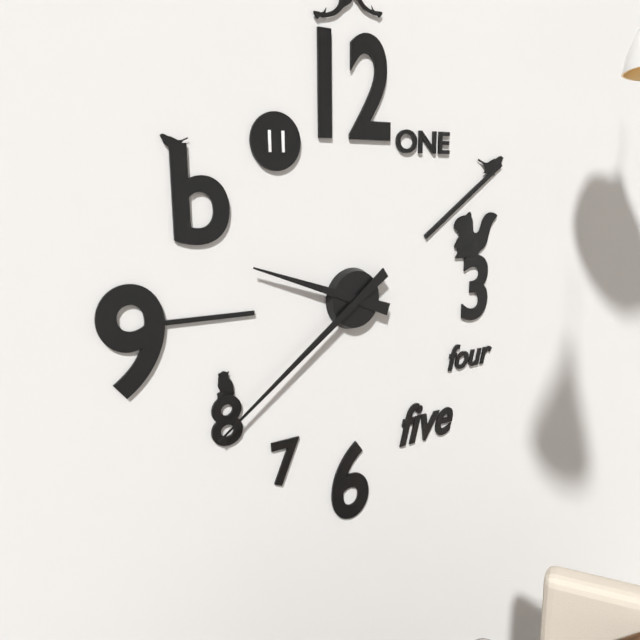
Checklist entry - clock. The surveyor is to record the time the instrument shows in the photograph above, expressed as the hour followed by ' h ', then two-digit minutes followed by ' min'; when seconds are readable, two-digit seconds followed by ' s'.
9 h 39 min
